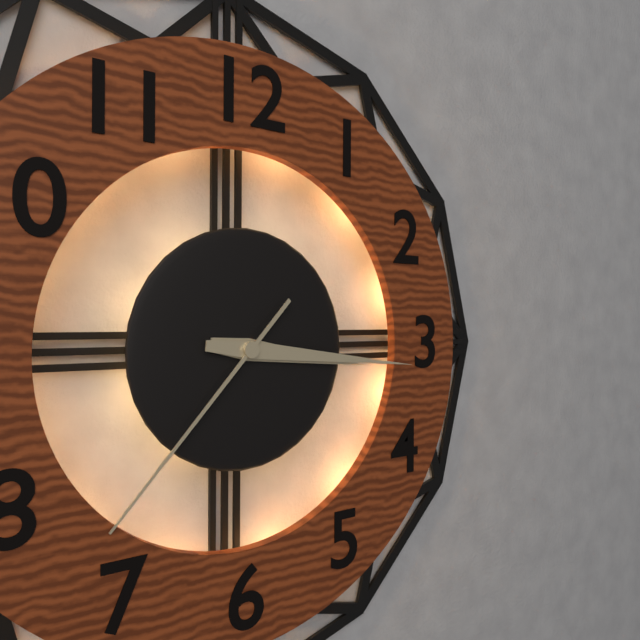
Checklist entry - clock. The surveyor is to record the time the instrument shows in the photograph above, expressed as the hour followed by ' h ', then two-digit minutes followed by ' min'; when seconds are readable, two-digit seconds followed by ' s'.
3 h 16 min 37 s
